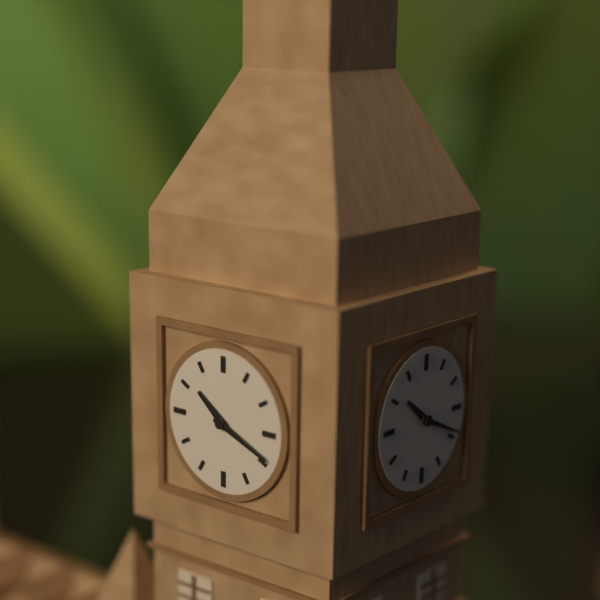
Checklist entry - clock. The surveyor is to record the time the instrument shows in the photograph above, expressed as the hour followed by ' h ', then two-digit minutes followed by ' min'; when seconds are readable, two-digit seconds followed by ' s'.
10 h 19 min
